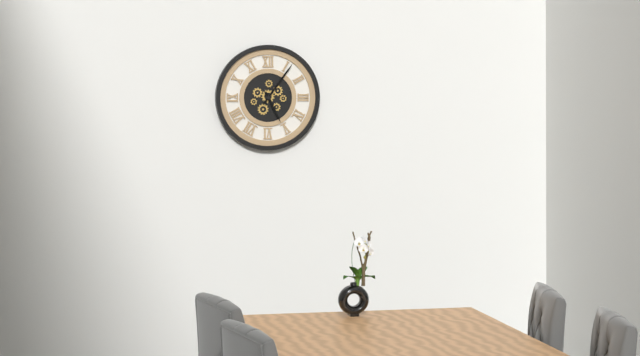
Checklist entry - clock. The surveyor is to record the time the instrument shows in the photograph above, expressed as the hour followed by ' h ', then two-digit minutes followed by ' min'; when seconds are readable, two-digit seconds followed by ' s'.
5 h 06 min
